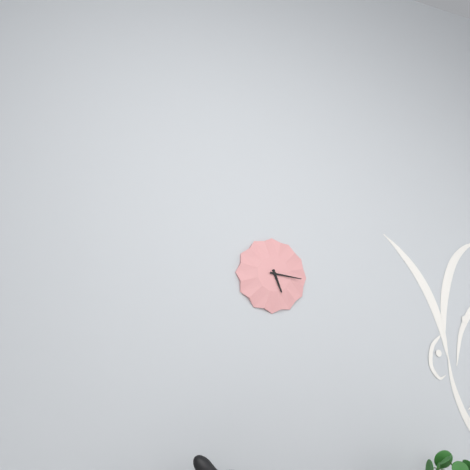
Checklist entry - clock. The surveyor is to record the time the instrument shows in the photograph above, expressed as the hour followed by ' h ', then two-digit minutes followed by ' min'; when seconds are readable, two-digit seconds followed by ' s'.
5 h 16 min
